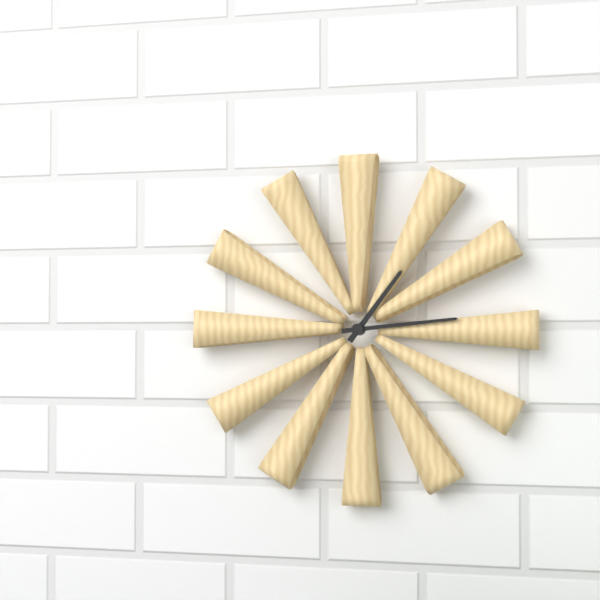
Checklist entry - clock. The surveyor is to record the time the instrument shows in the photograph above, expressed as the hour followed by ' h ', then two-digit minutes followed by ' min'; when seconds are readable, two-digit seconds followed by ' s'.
1 h 14 min
